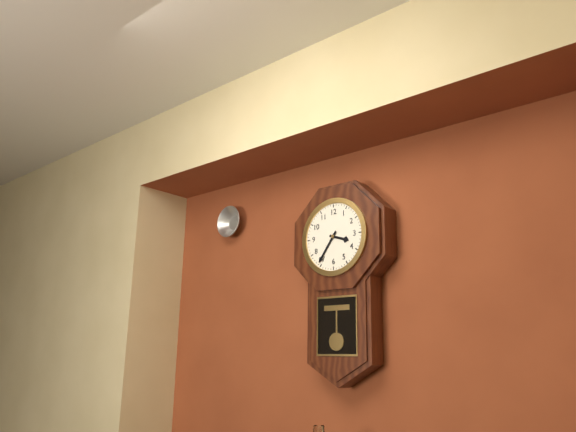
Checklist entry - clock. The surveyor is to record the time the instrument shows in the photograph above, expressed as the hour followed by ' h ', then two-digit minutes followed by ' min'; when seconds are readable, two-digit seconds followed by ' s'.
3 h 36 min
